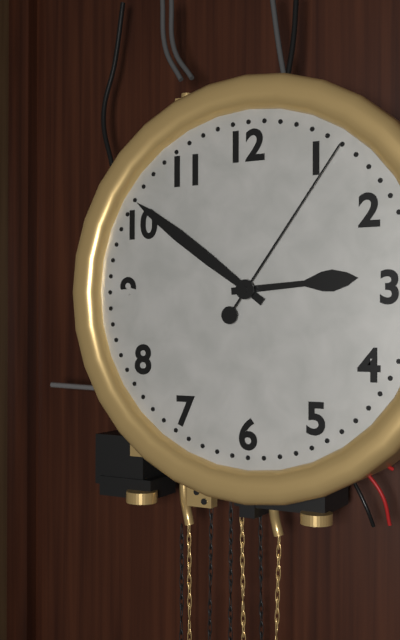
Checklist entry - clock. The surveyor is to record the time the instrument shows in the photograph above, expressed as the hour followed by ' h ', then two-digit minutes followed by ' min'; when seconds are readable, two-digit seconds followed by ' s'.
2 h 51 min 06 s
